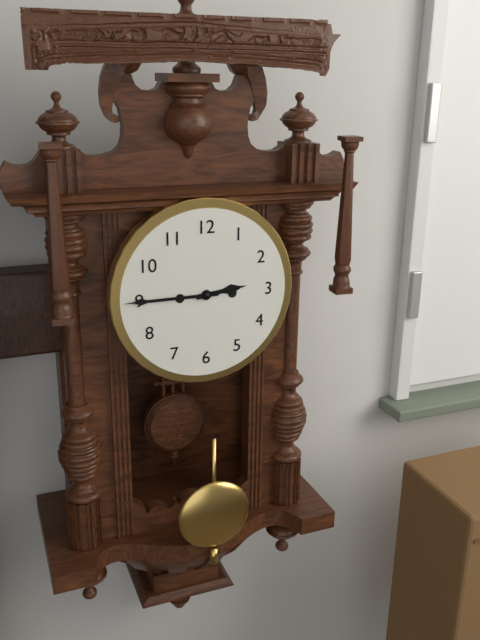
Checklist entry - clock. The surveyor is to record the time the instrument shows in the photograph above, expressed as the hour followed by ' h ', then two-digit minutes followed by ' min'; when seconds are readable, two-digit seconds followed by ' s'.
2 h 45 min
